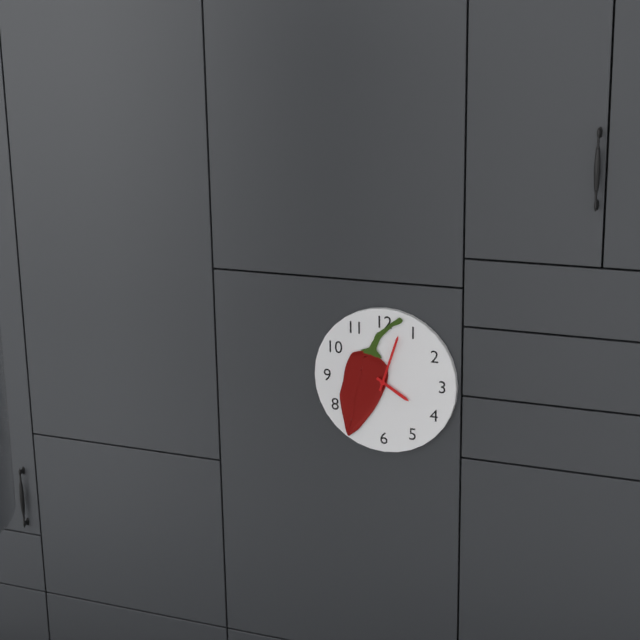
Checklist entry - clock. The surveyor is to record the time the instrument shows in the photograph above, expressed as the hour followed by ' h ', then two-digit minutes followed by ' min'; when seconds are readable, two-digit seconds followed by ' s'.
4 h 03 min
